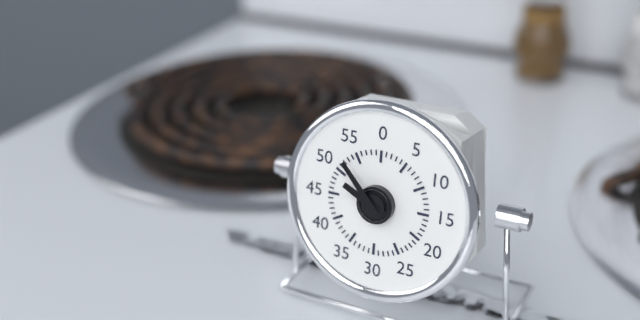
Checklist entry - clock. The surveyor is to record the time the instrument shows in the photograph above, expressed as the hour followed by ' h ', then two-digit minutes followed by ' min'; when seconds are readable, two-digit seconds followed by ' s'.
9 h 53 min
